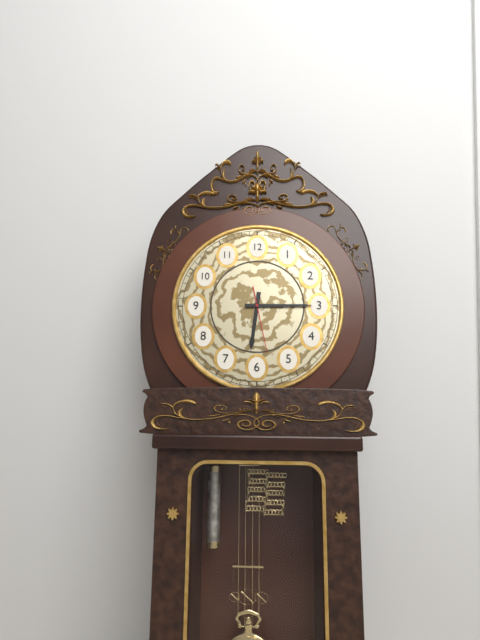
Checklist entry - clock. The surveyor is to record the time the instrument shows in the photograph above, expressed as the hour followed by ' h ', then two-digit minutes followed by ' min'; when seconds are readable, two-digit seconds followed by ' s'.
6 h 15 min
